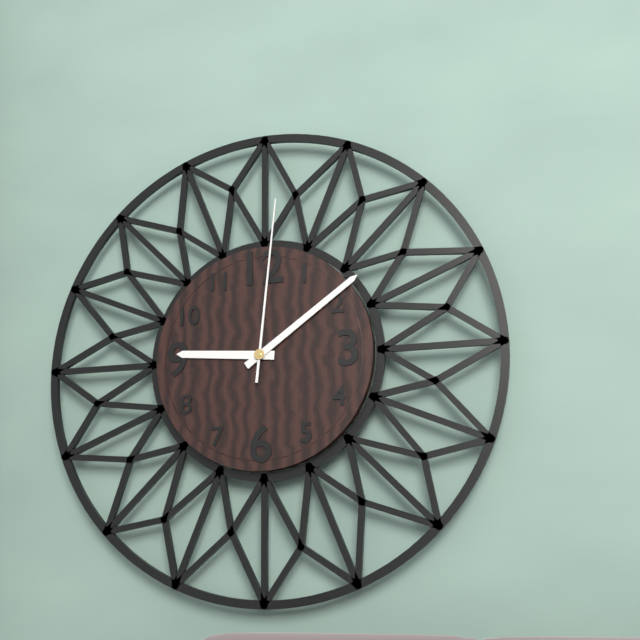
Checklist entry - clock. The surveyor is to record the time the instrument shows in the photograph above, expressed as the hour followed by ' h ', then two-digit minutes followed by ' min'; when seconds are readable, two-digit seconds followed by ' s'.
9 h 09 min 01 s
